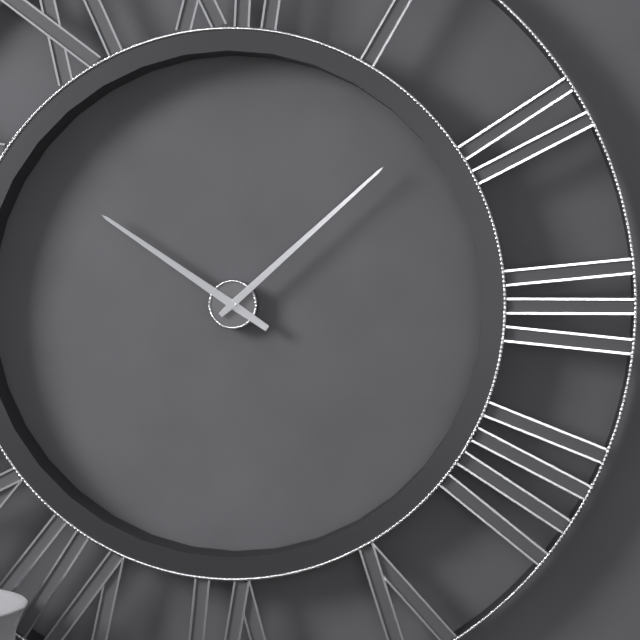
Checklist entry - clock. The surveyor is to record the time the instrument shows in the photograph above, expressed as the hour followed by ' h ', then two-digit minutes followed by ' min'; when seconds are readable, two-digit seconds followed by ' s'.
10 h 08 min
